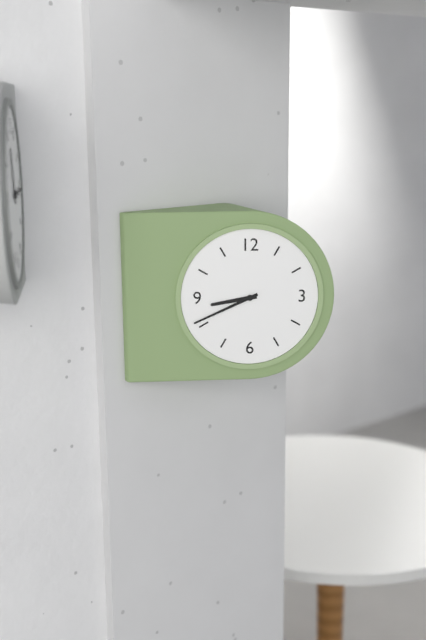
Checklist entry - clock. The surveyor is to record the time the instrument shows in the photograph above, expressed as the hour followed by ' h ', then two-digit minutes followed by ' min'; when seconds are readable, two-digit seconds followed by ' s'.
8 h 41 min
